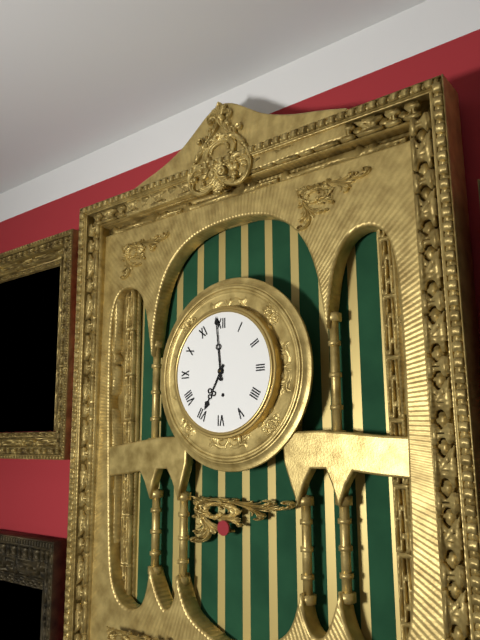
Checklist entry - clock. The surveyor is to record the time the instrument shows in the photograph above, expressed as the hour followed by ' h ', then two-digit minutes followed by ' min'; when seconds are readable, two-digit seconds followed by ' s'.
6 h 59 min
